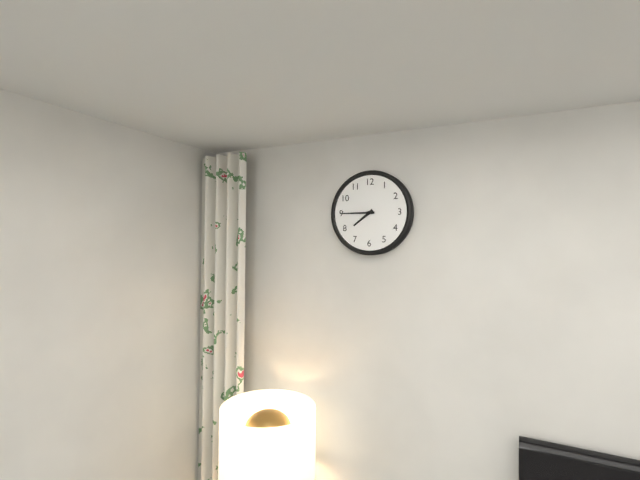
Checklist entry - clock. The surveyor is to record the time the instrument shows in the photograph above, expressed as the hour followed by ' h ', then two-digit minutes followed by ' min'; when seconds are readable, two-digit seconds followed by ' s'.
7 h 45 min
